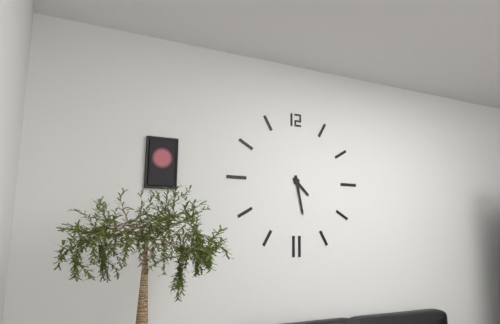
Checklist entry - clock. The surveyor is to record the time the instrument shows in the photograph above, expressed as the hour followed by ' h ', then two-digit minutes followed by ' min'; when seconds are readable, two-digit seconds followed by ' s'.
4 h 28 min
